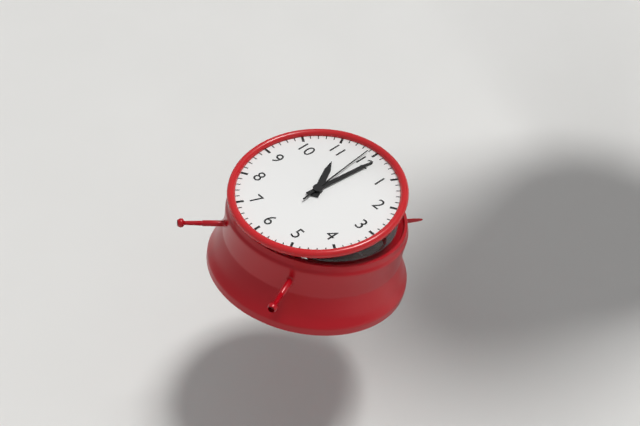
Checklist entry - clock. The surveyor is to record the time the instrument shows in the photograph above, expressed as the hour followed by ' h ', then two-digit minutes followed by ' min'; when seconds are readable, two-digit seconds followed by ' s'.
11 h 01 min 59 s
